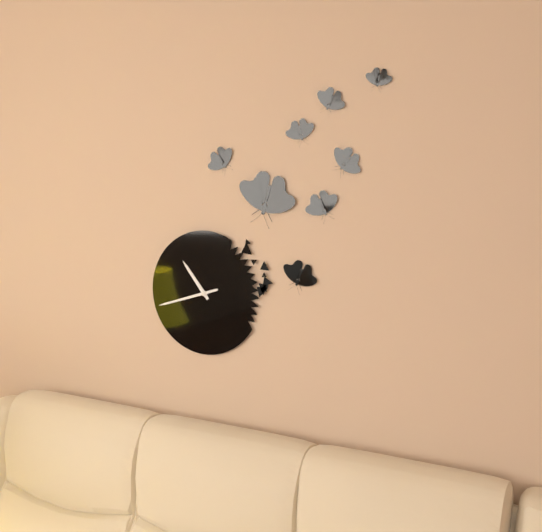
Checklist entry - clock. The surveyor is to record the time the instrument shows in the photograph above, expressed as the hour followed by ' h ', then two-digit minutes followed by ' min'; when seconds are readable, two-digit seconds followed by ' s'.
10 h 42 min
